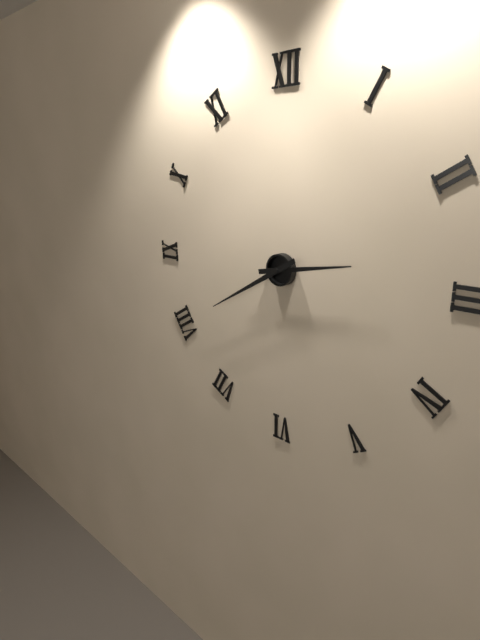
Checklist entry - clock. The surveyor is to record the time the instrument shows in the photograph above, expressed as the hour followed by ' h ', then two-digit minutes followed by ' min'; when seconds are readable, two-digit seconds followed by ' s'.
2 h 40 min
